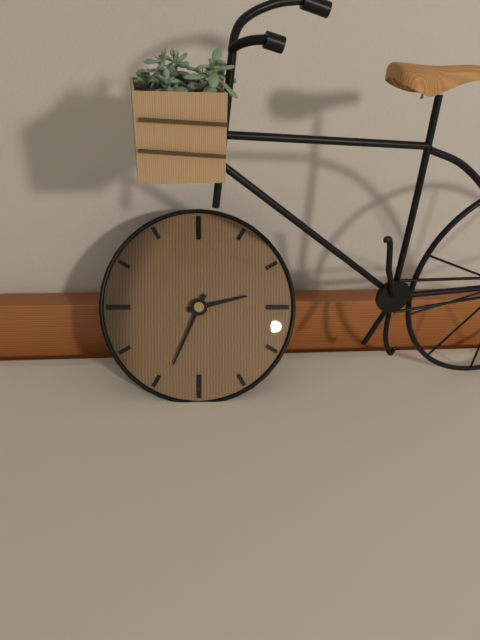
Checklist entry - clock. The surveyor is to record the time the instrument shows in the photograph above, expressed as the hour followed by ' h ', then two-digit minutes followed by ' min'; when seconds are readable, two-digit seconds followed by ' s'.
2 h 34 min
